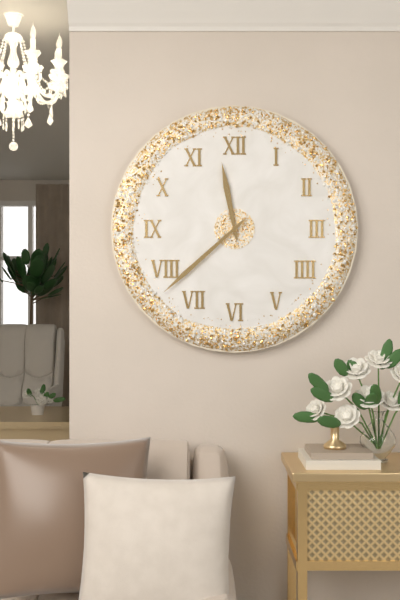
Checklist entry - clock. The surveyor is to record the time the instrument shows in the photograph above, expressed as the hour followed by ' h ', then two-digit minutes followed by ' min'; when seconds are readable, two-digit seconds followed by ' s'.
11 h 38 min
